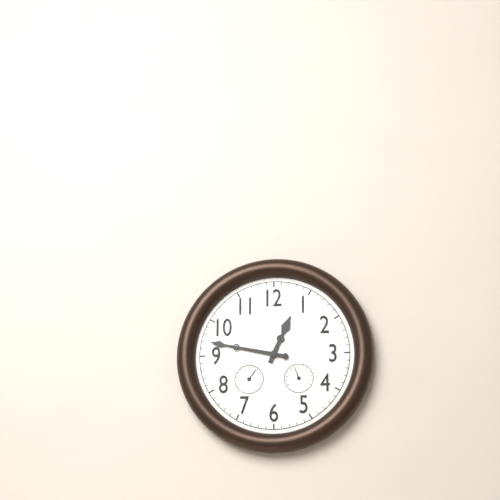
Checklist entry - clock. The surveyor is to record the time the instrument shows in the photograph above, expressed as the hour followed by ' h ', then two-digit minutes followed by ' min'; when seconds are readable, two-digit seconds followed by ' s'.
12 h 47 min
